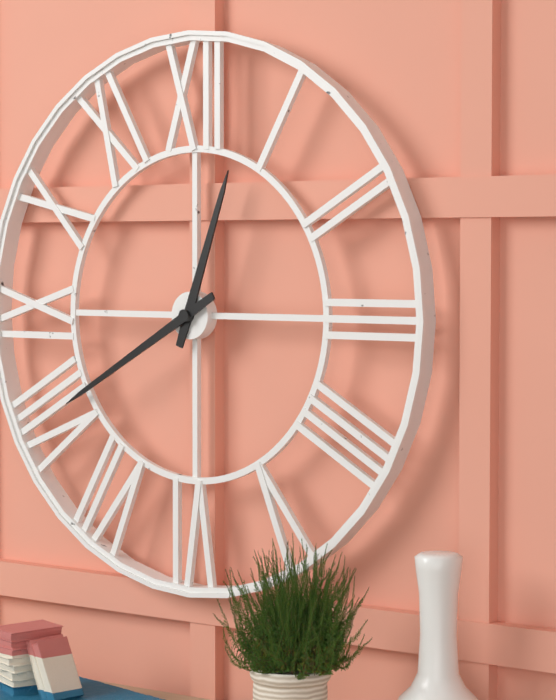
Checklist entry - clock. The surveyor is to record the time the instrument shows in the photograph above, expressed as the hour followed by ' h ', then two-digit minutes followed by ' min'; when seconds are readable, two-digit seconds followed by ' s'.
12 h 40 min
